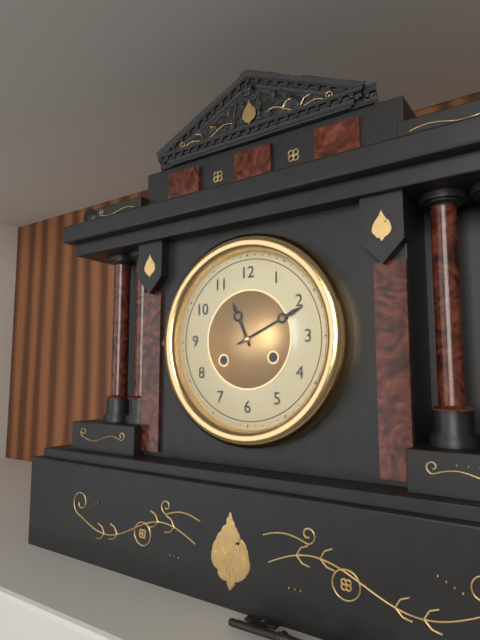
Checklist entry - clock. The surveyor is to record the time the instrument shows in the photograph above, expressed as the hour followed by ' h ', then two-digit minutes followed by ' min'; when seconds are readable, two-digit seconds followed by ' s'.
11 h 11 min
